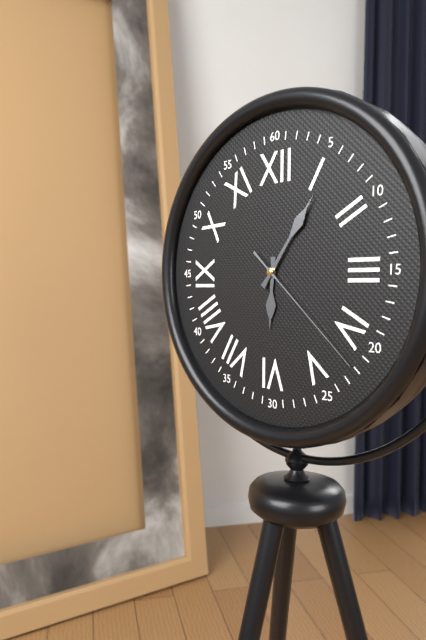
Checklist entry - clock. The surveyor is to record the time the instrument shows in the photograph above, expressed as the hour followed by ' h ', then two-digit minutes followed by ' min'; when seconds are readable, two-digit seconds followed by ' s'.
6 h 06 min 22 s
